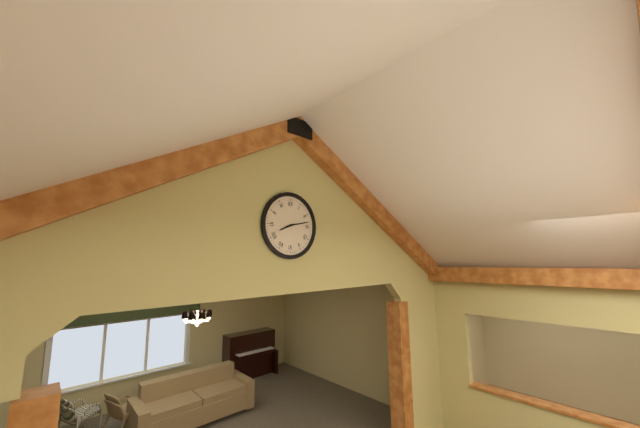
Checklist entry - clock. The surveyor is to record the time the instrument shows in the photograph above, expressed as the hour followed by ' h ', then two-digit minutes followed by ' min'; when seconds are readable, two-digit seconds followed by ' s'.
8 h 13 min
